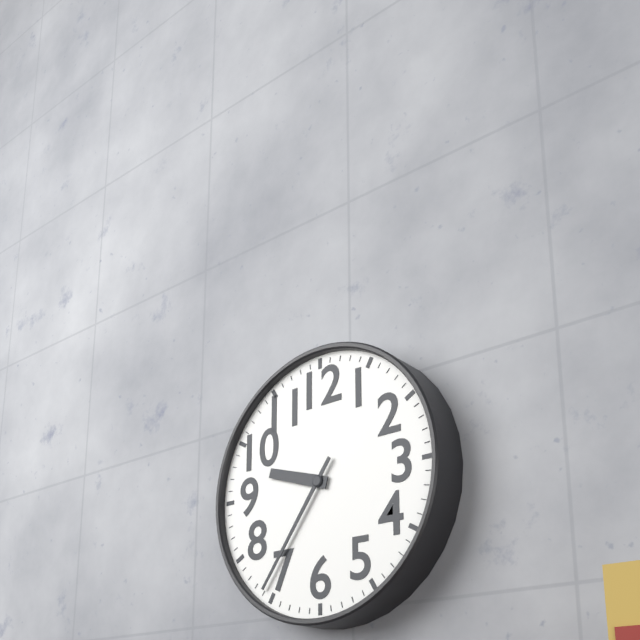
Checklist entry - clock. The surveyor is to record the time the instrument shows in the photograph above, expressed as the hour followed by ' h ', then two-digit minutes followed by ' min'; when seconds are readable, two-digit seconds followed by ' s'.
9 h 36 min
